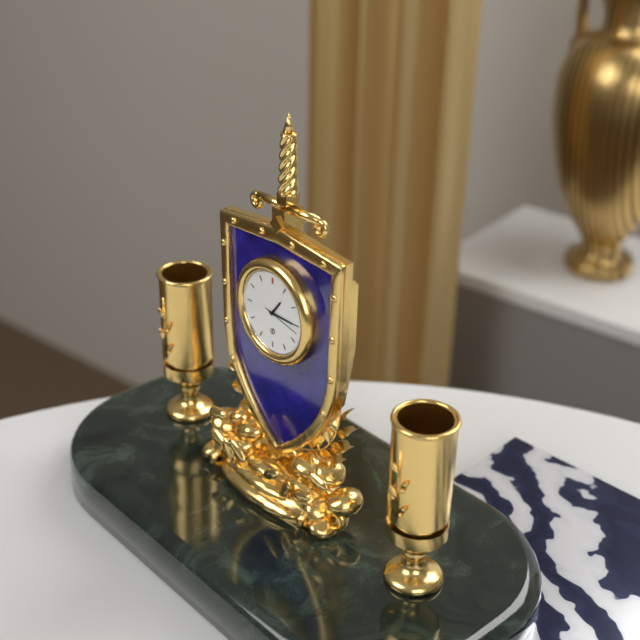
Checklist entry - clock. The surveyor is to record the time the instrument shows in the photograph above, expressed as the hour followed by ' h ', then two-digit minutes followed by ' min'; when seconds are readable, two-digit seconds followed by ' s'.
1 h 15 min
